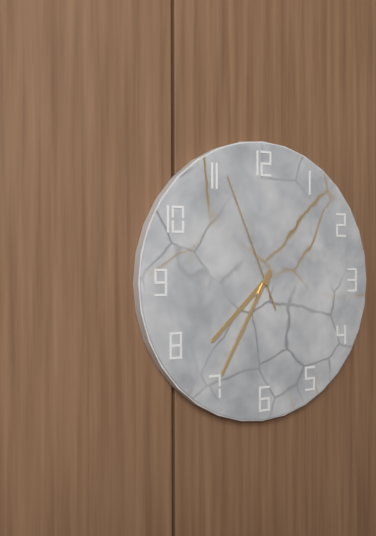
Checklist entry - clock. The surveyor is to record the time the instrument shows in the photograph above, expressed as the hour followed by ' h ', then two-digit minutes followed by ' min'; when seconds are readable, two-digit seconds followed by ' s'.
7 h 35 min 56 s
